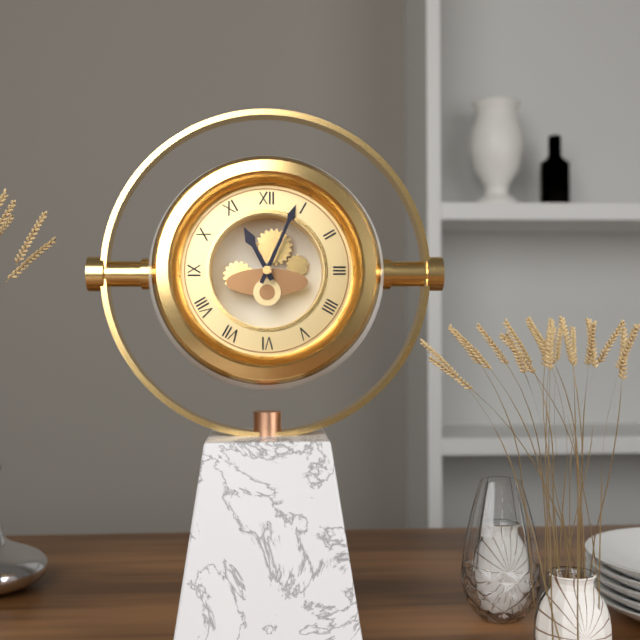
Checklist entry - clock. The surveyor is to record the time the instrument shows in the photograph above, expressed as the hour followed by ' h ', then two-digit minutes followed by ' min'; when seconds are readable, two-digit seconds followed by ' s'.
11 h 04 min
